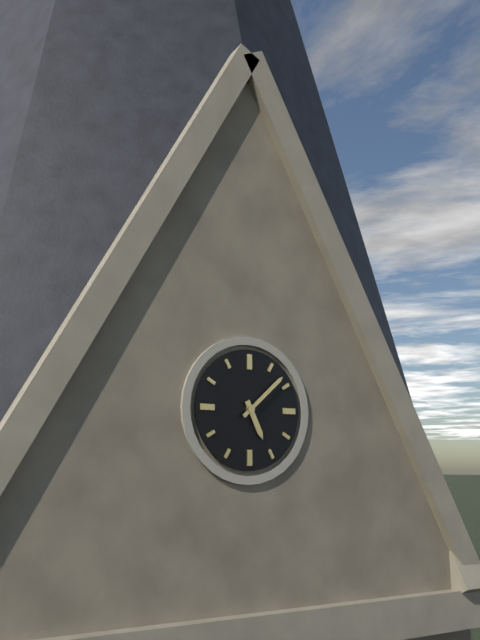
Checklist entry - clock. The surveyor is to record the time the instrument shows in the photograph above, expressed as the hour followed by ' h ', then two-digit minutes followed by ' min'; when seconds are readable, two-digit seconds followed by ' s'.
5 h 08 min
